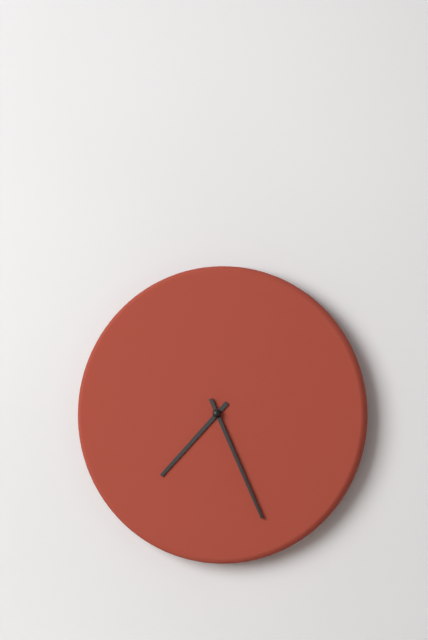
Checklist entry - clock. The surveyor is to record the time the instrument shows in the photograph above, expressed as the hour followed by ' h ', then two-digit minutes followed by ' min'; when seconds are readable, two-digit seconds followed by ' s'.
7 h 26 min
